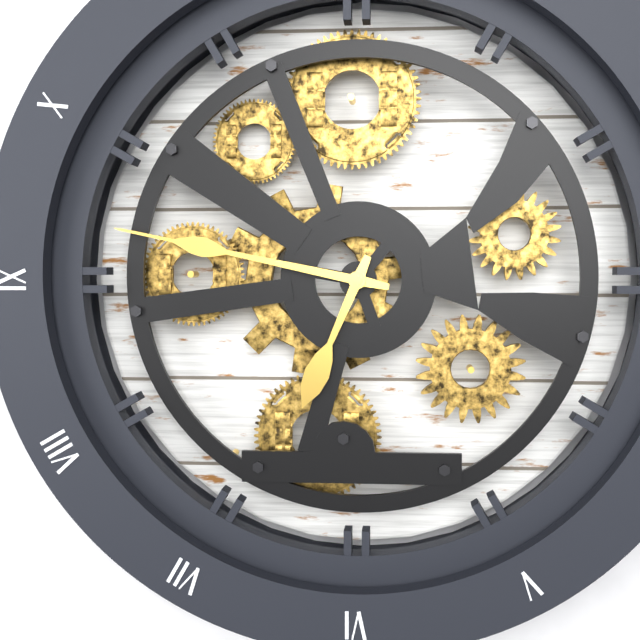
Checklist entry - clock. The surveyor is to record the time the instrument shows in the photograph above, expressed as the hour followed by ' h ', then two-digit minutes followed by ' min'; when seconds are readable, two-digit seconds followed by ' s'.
6 h 47 min
